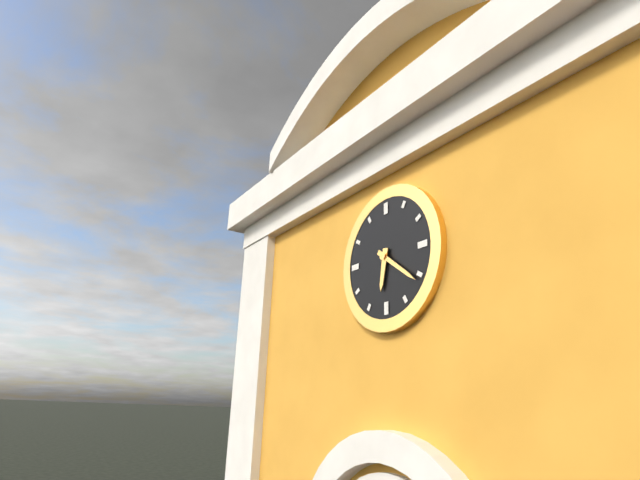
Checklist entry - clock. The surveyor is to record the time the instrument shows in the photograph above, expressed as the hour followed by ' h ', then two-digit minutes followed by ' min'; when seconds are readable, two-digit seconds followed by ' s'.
6 h 21 min
